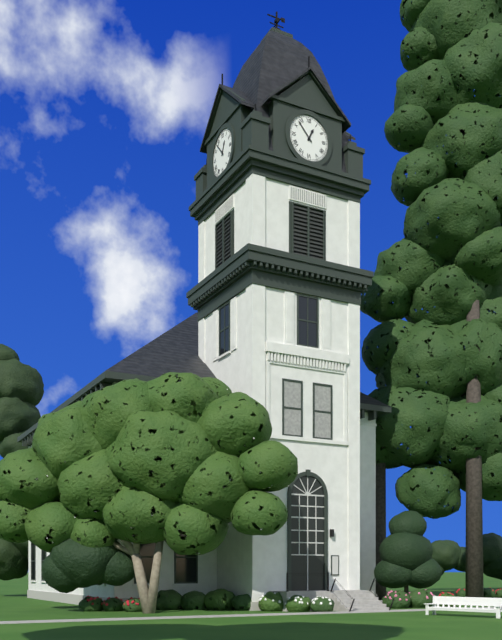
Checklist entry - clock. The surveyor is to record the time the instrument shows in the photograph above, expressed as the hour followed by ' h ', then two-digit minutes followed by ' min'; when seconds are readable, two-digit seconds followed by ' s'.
12 h 53 min
